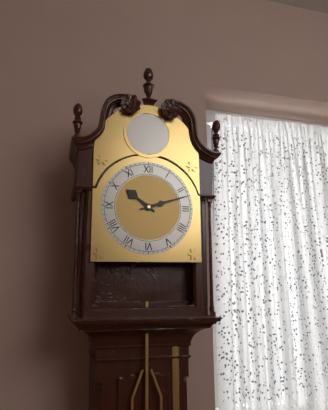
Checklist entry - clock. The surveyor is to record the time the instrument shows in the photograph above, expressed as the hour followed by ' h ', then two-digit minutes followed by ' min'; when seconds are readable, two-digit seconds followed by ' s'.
10 h 12 min
